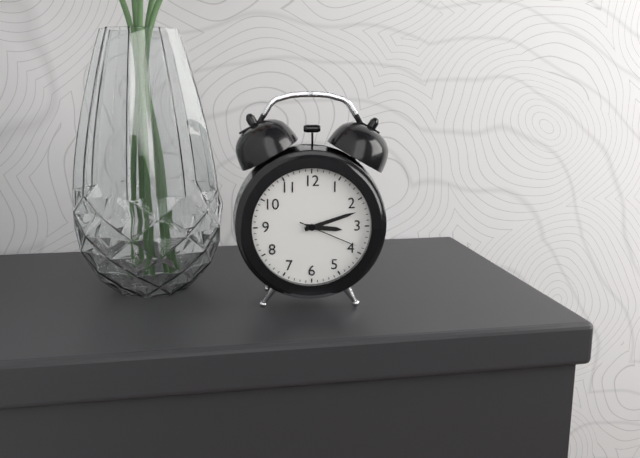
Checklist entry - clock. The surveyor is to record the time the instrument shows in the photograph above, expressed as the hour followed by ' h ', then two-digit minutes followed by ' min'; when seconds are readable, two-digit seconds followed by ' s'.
3 h 12 min 19 s
